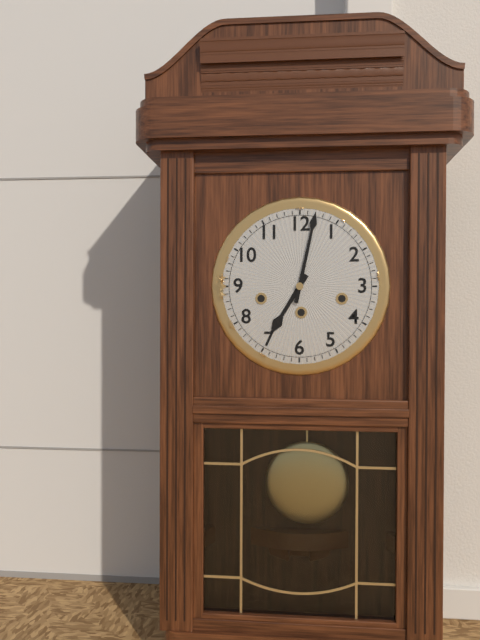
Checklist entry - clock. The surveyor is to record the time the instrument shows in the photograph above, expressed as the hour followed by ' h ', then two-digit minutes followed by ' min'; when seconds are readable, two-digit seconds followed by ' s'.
7 h 02 min
